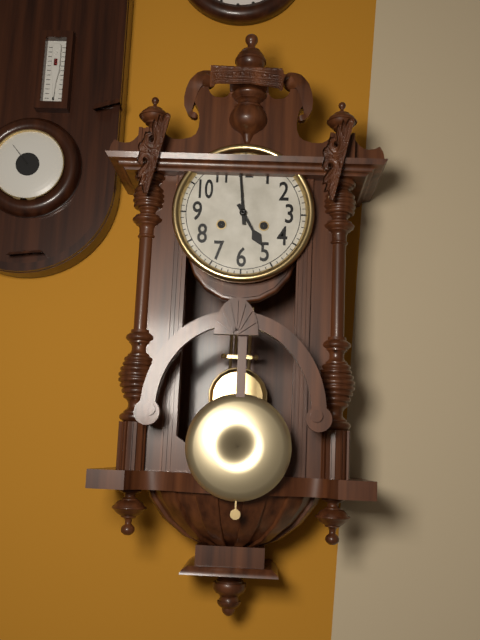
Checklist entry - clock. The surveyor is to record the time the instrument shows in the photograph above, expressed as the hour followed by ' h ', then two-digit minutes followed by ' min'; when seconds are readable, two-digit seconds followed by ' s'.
4 h 59 min
